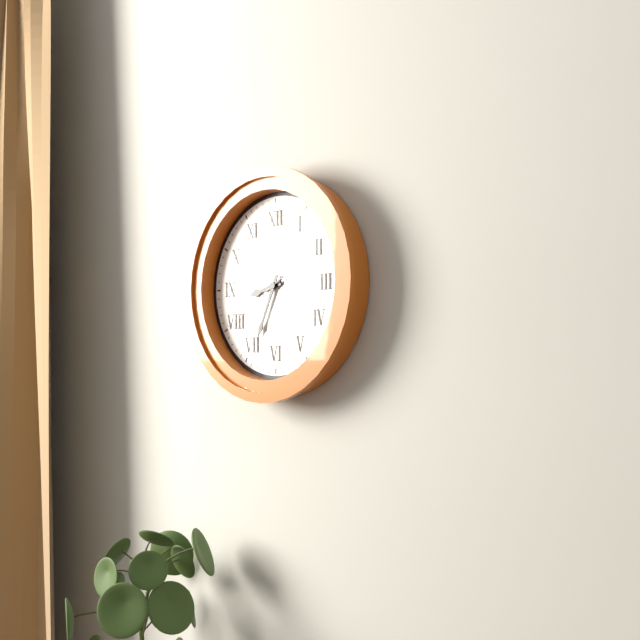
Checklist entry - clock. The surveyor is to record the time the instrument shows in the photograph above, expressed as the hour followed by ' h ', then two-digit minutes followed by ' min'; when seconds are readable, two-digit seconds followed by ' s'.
8 h 34 min 40 s
